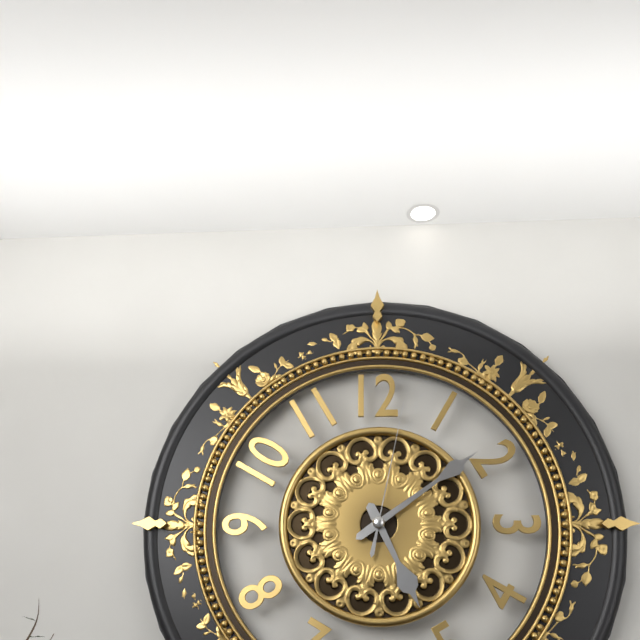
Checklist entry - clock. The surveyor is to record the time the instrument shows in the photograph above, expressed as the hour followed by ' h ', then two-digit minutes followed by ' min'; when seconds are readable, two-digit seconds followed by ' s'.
5 h 09 min 02 s
